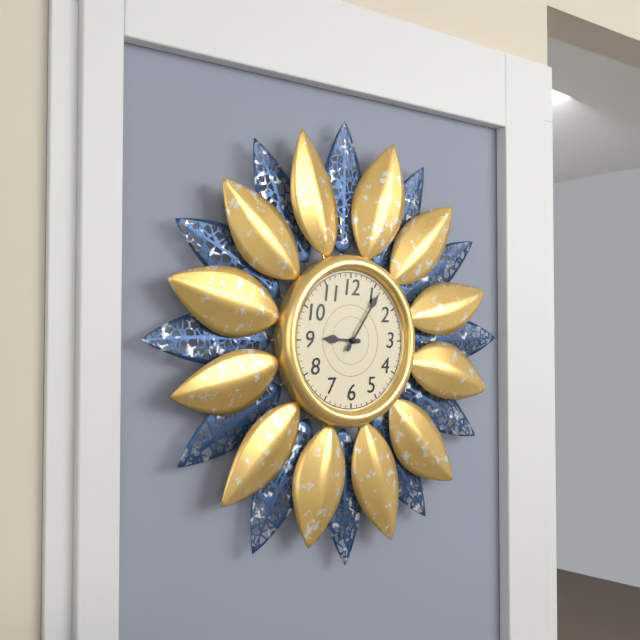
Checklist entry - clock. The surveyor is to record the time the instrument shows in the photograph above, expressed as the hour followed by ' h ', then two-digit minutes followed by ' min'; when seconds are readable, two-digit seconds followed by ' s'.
9 h 06 min
